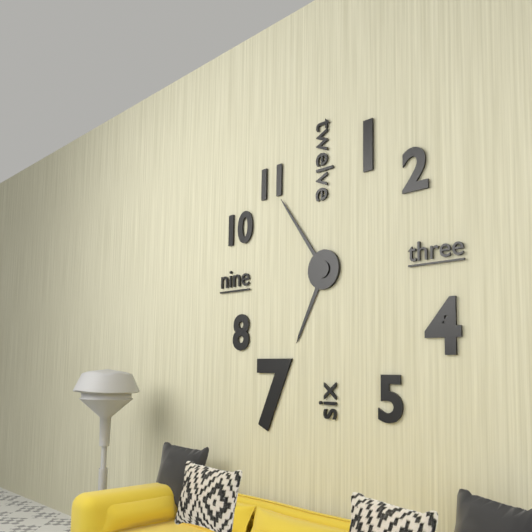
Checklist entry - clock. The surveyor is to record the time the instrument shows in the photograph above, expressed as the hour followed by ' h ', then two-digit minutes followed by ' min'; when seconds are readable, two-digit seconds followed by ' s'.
6 h 54 min
